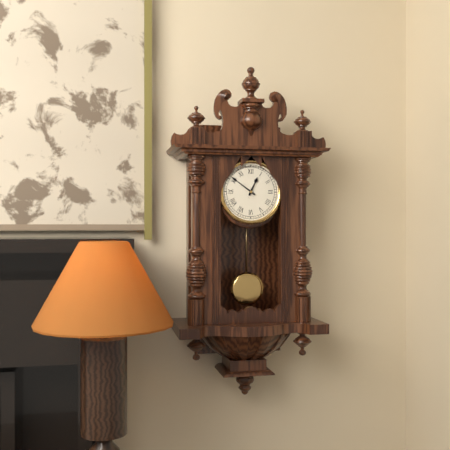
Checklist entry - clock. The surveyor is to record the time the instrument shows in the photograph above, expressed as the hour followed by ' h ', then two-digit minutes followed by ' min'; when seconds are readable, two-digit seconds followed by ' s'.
12 h 51 min
